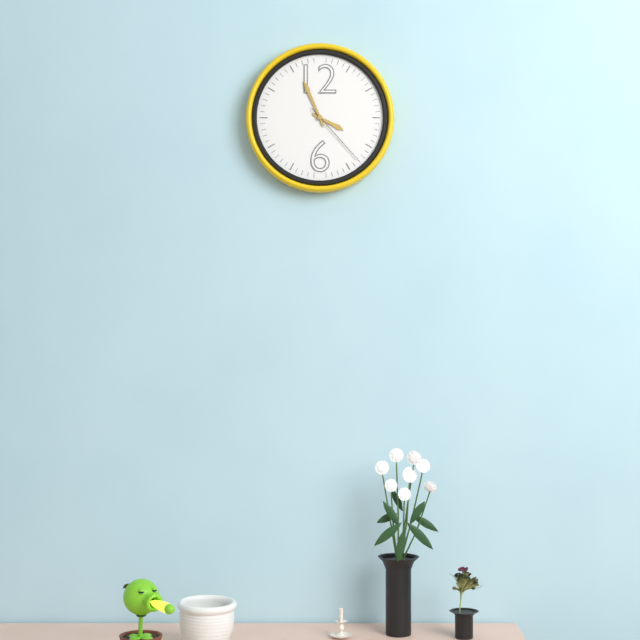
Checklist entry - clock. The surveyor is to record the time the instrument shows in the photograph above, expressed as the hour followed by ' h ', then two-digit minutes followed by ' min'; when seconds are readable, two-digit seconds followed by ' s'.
3 h 56 min 23 s
